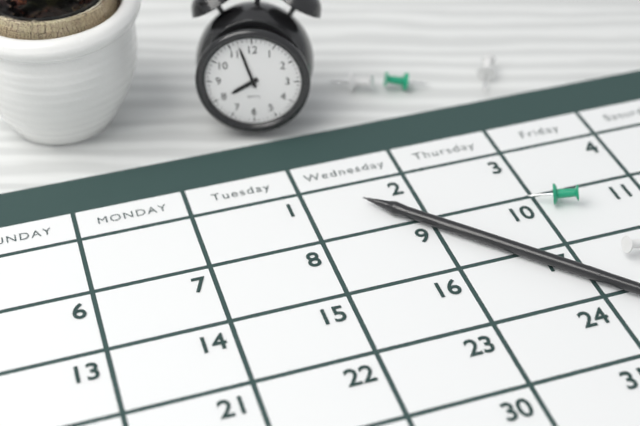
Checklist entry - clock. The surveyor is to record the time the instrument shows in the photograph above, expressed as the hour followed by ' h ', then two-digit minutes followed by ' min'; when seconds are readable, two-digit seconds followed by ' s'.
7 h 57 min
